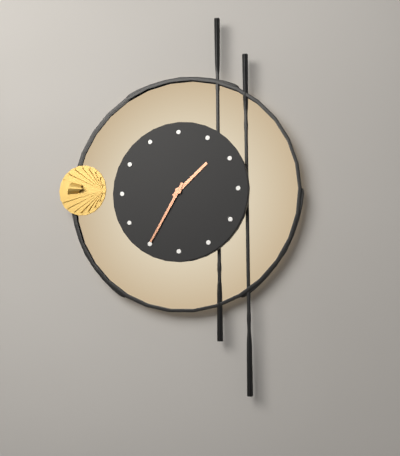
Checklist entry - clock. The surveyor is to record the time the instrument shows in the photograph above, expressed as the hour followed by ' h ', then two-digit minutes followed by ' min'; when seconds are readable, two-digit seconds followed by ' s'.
1 h 35 min
